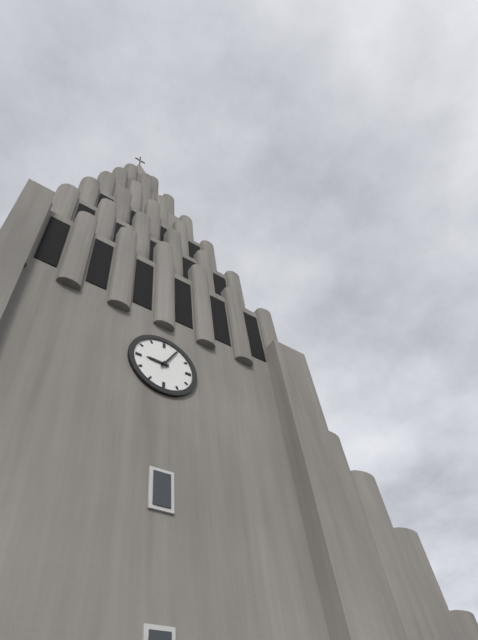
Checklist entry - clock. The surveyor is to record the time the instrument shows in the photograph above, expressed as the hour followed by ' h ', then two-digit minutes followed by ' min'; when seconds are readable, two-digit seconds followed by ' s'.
9 h 05 min
